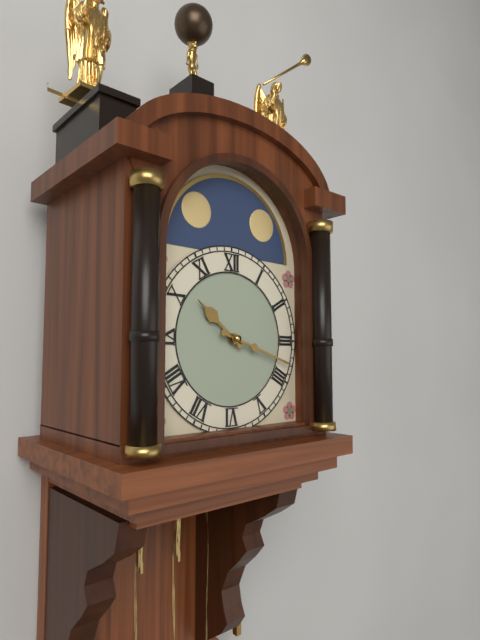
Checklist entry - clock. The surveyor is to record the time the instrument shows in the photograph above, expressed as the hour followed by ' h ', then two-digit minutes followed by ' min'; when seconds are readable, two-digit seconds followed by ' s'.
10 h 18 min
